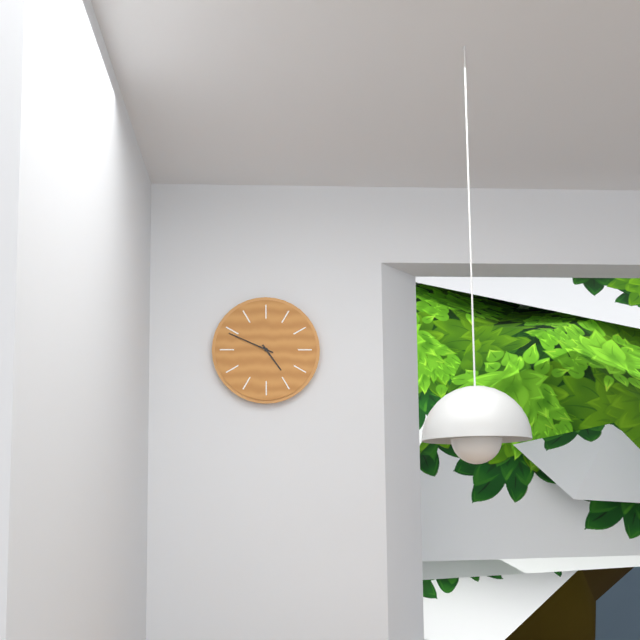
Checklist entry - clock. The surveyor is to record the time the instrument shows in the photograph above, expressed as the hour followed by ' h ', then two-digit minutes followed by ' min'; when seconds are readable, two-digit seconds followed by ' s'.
4 h 49 min
